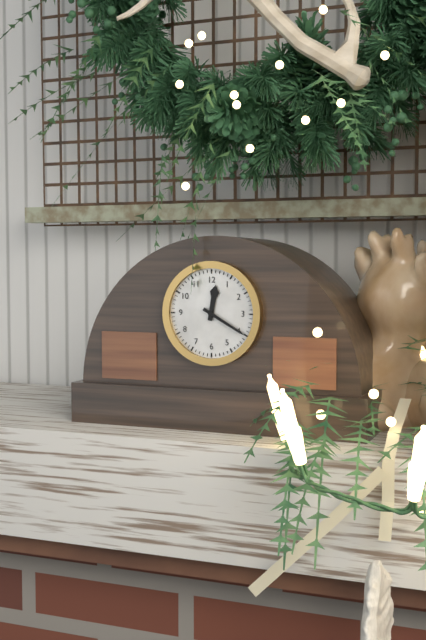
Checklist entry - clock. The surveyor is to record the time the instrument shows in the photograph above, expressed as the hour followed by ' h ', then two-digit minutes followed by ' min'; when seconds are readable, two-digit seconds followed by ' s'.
12 h 20 min
